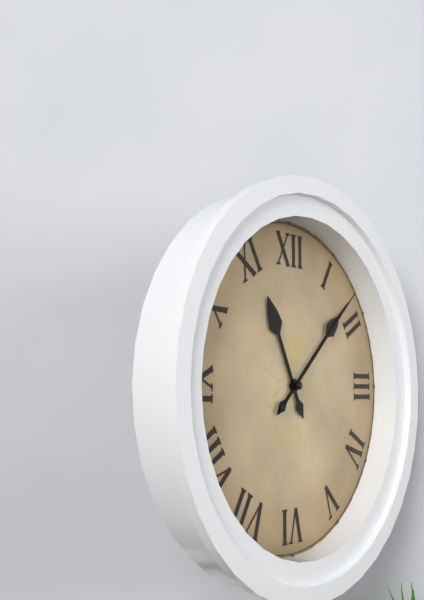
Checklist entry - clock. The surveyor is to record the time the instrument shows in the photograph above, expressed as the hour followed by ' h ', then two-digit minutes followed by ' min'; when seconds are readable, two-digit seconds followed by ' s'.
11 h 08 min 08 s
